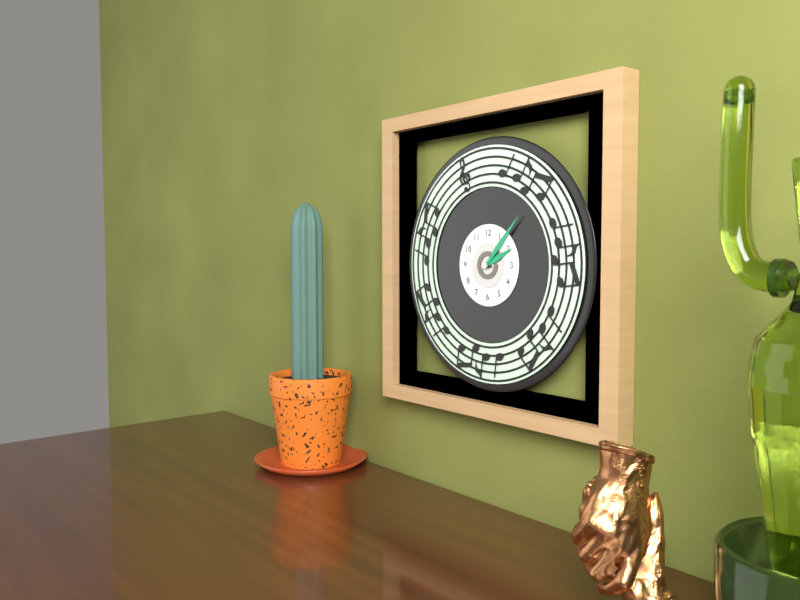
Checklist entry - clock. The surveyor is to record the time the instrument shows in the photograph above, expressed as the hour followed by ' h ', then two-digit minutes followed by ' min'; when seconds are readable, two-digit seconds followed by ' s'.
2 h 07 min
